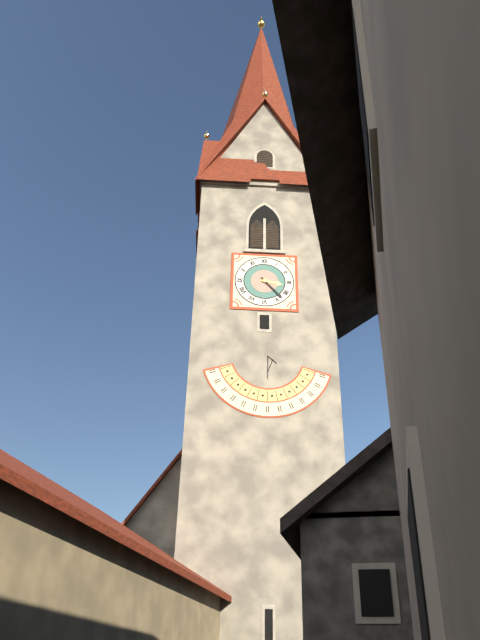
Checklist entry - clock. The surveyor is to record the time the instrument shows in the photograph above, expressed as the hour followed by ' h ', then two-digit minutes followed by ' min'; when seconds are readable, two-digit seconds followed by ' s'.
3 h 23 min
